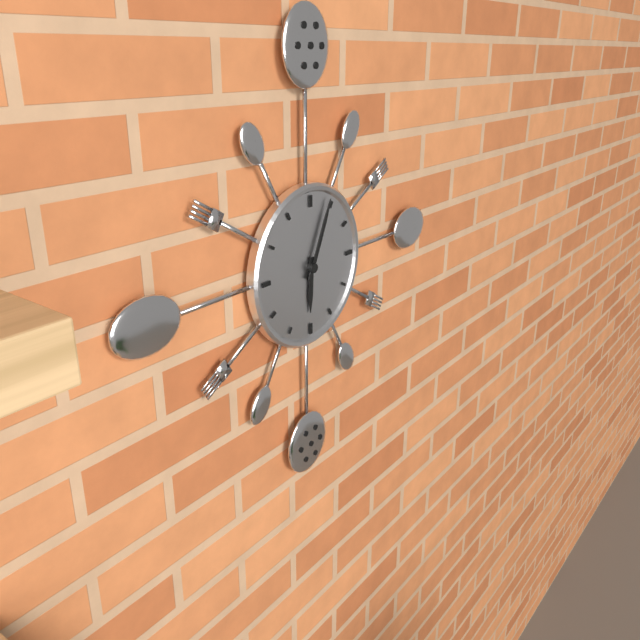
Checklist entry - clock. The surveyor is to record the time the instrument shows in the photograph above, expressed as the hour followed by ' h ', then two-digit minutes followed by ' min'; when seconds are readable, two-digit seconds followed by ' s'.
6 h 04 min
